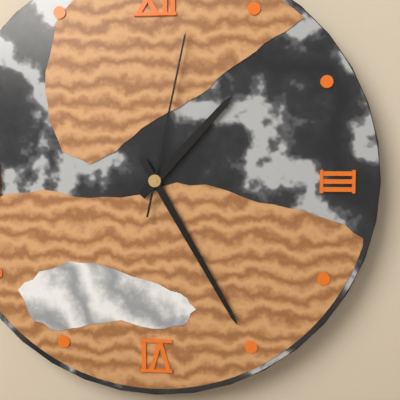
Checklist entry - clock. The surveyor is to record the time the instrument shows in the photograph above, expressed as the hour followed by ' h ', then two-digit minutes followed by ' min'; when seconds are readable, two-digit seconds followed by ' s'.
1 h 25 min 02 s
